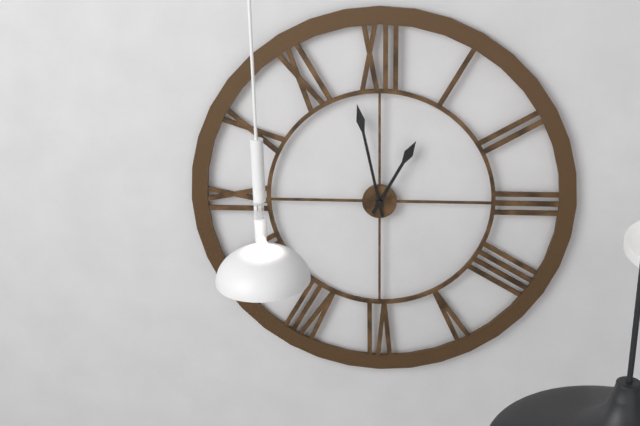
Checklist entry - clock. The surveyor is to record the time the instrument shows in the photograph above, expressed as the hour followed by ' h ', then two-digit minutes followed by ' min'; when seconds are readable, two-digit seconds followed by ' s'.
12 h 58 min
